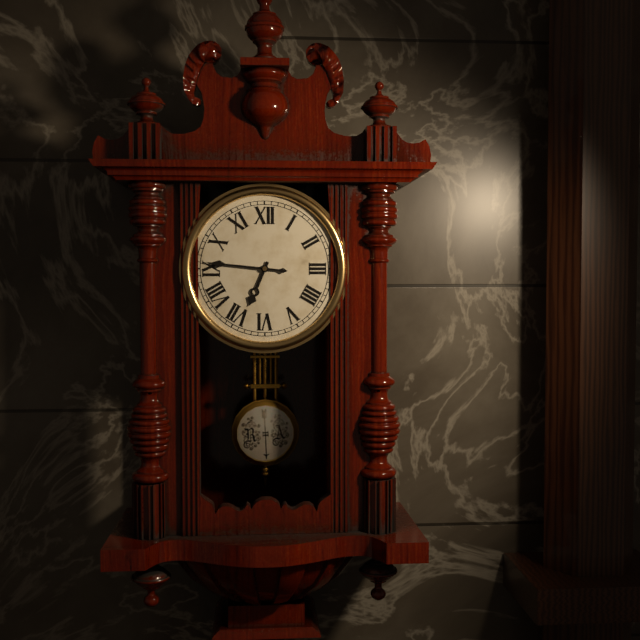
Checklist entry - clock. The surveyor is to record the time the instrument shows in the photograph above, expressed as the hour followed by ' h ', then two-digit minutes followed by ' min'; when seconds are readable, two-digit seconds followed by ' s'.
6 h 46 min
